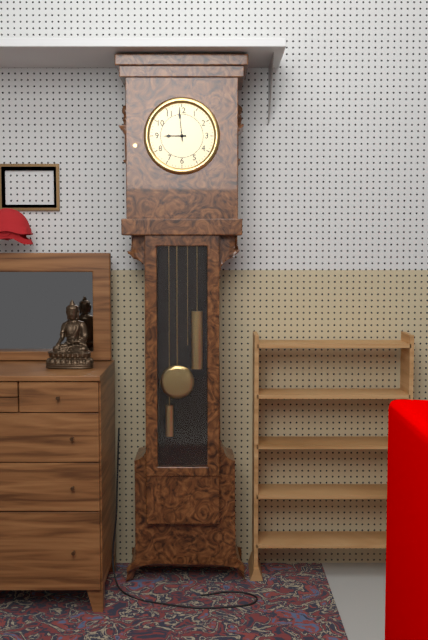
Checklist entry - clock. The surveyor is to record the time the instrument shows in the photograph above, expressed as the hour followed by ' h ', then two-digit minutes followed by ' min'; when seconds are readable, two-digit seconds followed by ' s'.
8 h 59 min
